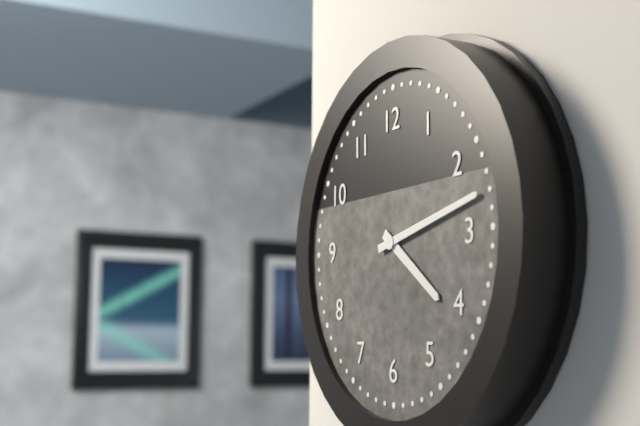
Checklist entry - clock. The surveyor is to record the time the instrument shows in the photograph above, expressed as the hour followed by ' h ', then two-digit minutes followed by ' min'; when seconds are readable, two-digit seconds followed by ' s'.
4 h 13 min
